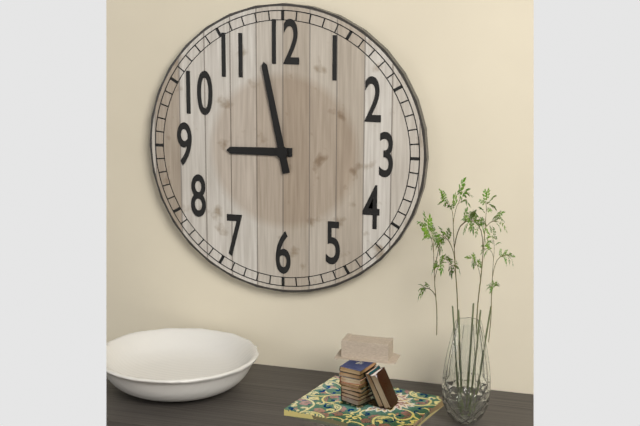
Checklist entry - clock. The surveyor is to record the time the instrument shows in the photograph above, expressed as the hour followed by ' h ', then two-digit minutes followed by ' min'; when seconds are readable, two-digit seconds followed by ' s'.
8 h 58 min
